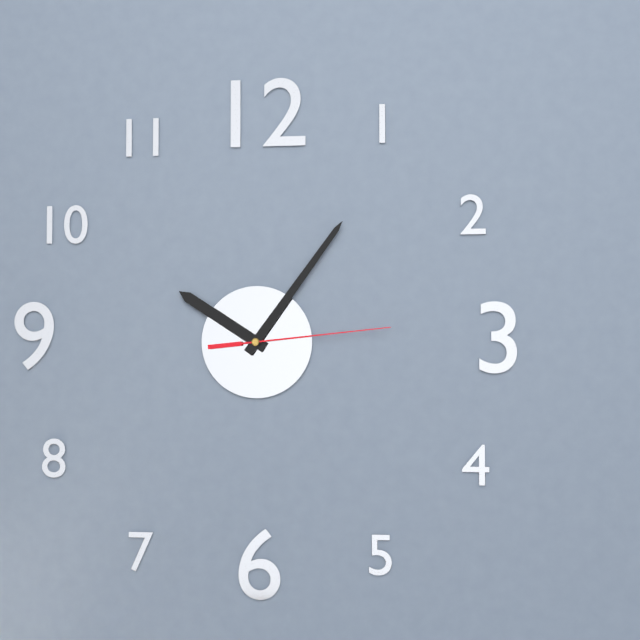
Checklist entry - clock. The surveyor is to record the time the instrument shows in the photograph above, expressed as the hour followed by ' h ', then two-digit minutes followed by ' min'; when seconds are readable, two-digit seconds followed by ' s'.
10 h 06 min 14 s
